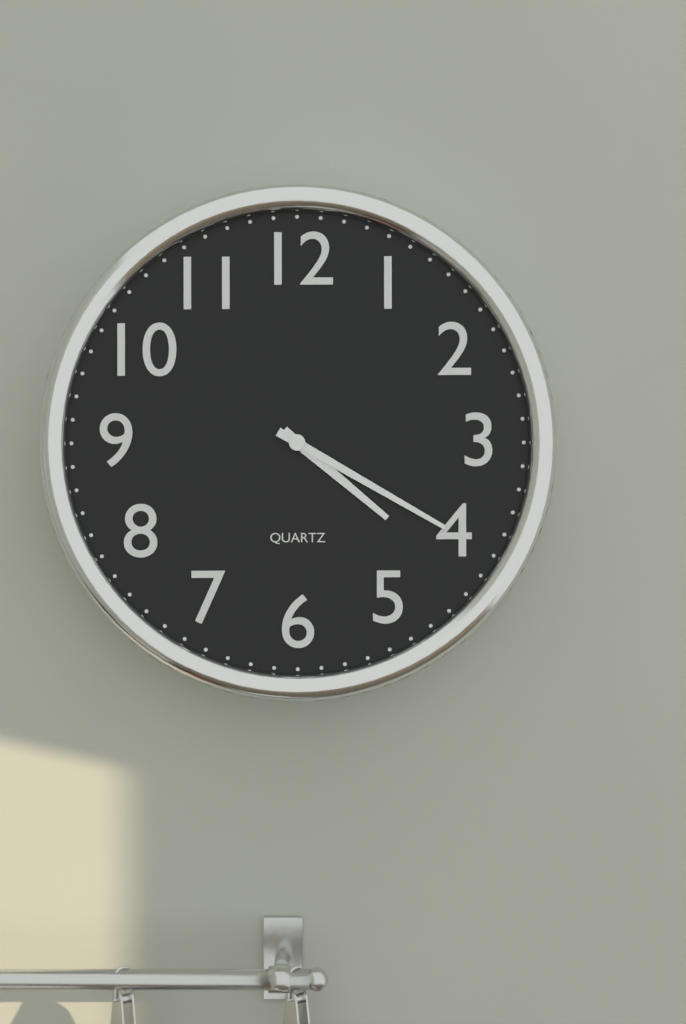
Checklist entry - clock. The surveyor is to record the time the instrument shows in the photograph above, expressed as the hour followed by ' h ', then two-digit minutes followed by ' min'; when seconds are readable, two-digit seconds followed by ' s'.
4 h 20 min
